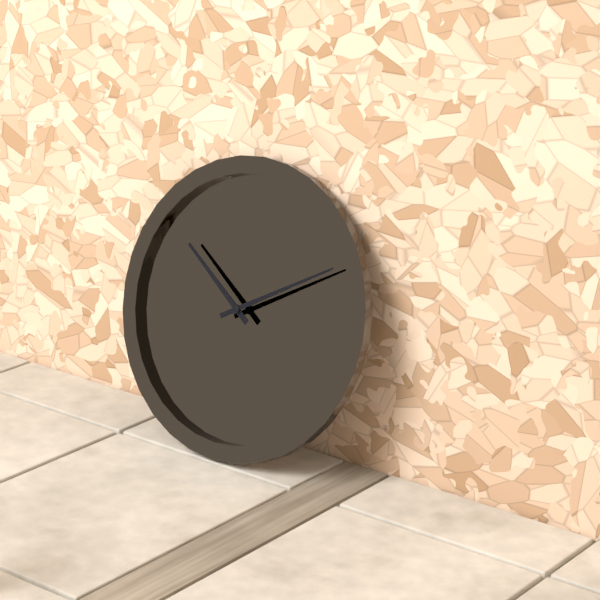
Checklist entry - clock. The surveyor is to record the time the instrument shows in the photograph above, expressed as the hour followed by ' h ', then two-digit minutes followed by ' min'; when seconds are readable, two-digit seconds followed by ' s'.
10 h 10 min
